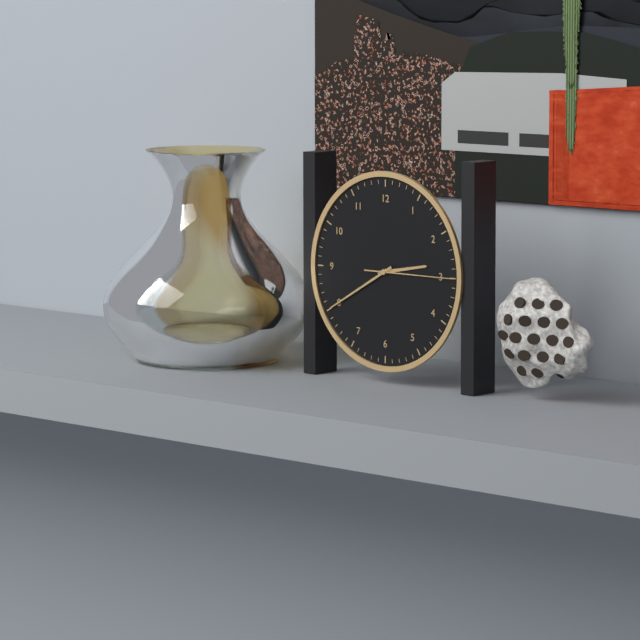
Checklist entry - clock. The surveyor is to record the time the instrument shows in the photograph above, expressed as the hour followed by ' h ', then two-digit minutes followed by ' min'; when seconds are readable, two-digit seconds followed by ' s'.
2 h 40 min 15 s
